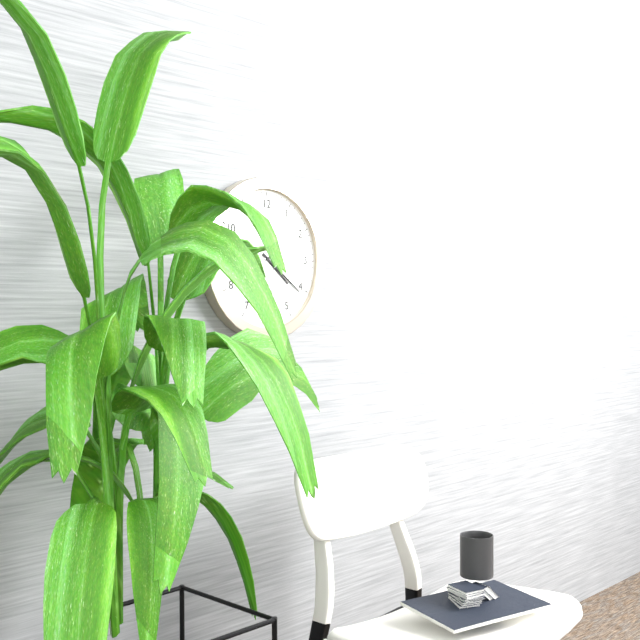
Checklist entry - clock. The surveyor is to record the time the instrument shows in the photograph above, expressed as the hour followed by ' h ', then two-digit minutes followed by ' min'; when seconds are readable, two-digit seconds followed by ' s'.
4 h 21 min 15 s
